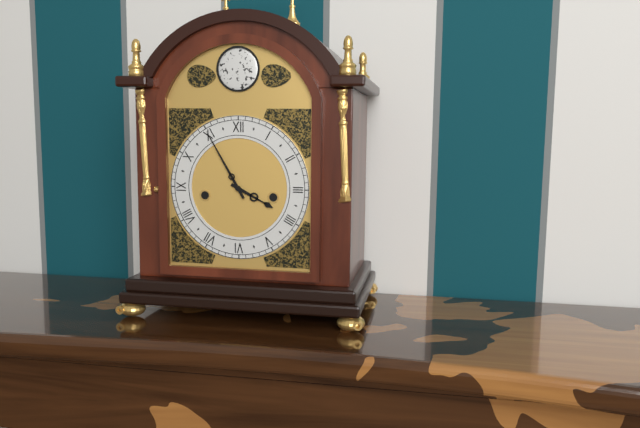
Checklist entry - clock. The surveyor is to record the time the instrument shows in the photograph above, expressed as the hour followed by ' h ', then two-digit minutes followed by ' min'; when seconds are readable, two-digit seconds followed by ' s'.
3 h 55 min
